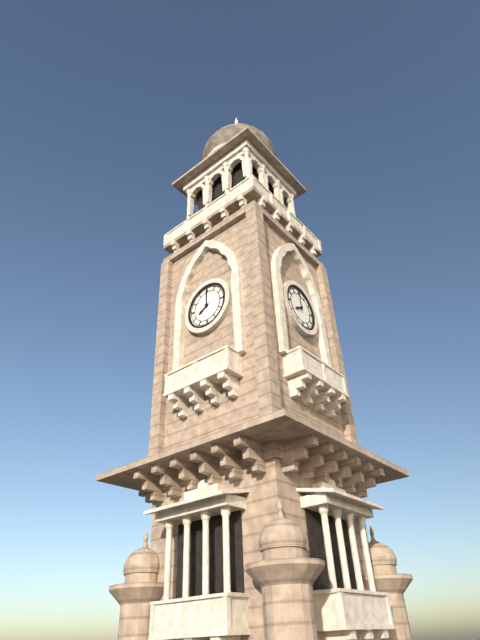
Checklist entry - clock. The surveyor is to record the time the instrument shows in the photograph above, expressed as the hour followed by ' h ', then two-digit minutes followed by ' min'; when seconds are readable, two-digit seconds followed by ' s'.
8 h 00 min
